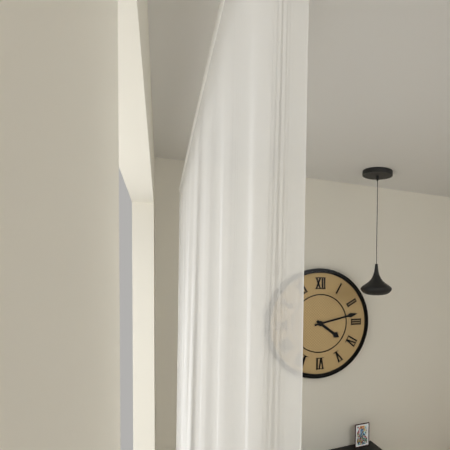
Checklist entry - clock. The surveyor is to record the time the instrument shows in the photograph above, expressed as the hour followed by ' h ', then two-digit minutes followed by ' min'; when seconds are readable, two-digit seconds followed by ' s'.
4 h 13 min
